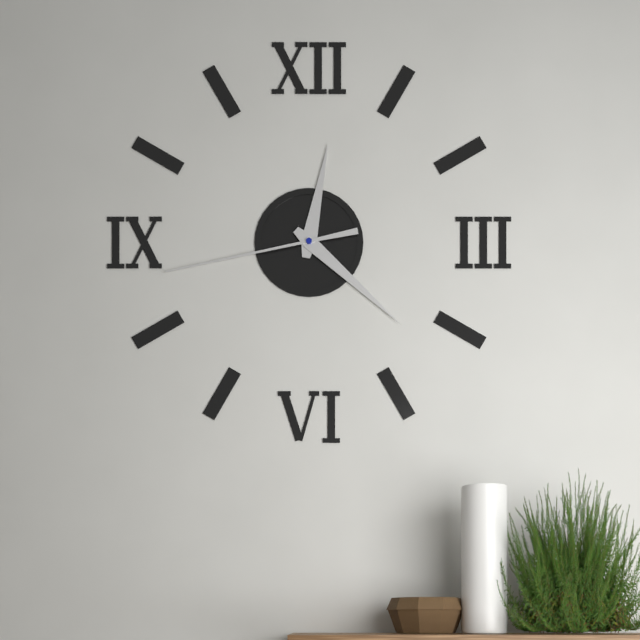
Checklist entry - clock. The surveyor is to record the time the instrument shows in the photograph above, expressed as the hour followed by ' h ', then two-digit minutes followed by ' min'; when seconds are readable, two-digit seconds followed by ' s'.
12 h 22 min 43 s
